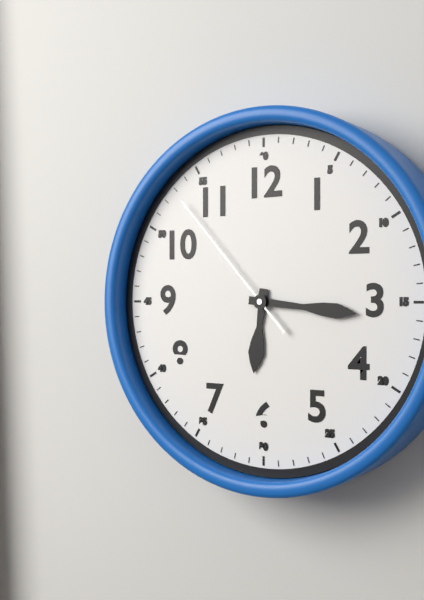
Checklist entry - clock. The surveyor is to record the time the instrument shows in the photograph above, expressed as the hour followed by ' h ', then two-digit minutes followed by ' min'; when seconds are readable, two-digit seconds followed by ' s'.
6 h 16 min 53 s
